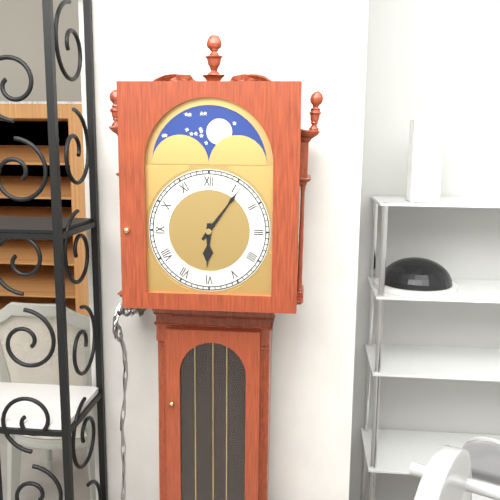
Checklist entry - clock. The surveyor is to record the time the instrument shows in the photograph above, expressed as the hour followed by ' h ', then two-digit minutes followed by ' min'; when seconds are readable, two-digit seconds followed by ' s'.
6 h 06 min
